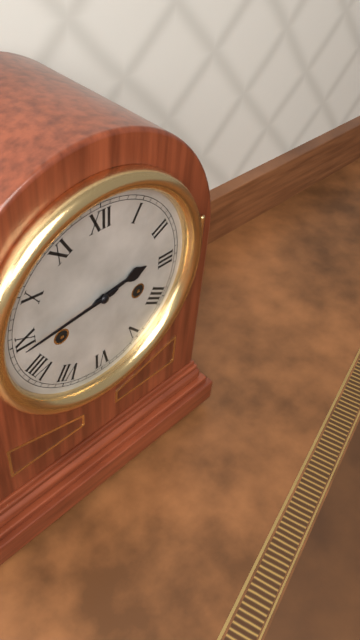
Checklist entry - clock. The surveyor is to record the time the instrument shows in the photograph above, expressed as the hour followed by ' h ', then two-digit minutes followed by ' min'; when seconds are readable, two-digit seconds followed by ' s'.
2 h 44 min
